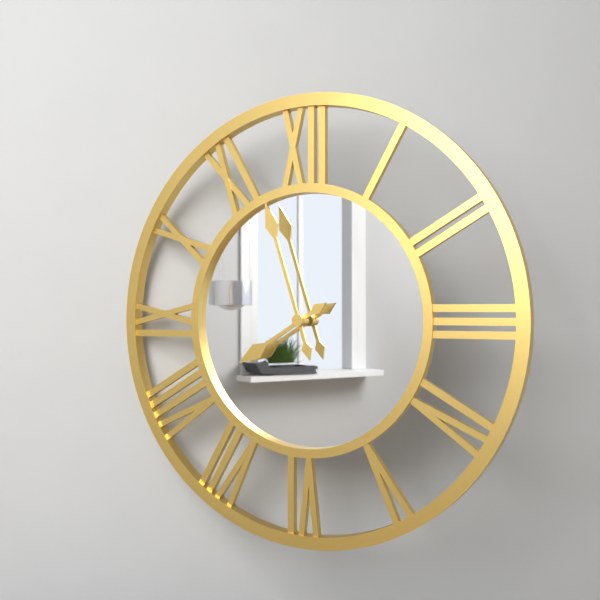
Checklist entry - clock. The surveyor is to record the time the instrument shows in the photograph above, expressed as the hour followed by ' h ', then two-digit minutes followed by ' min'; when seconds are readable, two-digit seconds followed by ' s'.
7 h 57 min
